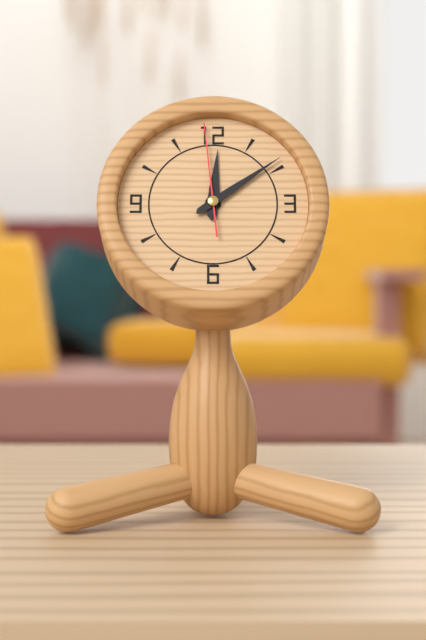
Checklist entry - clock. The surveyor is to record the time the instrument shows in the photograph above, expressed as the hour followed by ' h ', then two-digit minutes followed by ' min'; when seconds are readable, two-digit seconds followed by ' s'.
12 h 09 min 59 s
